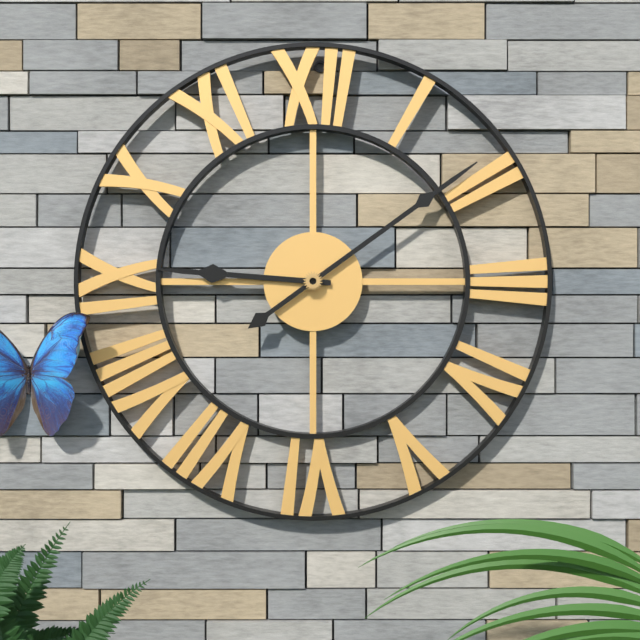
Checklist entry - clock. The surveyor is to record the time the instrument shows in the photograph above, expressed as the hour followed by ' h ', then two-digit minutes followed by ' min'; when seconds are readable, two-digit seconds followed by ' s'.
9 h 09 min
